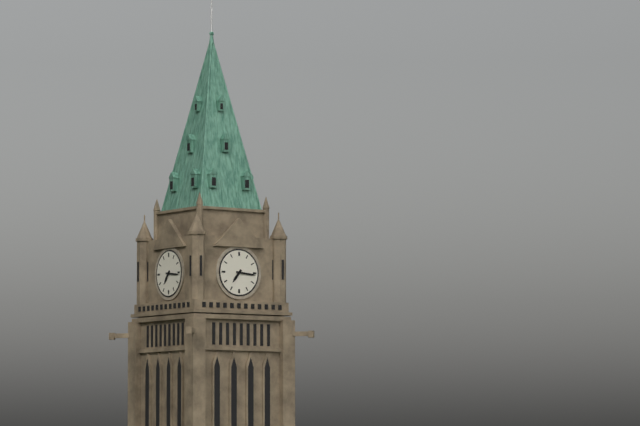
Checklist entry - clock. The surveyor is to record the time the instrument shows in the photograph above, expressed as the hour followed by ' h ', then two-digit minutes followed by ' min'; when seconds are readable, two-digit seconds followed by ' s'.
7 h 16 min
